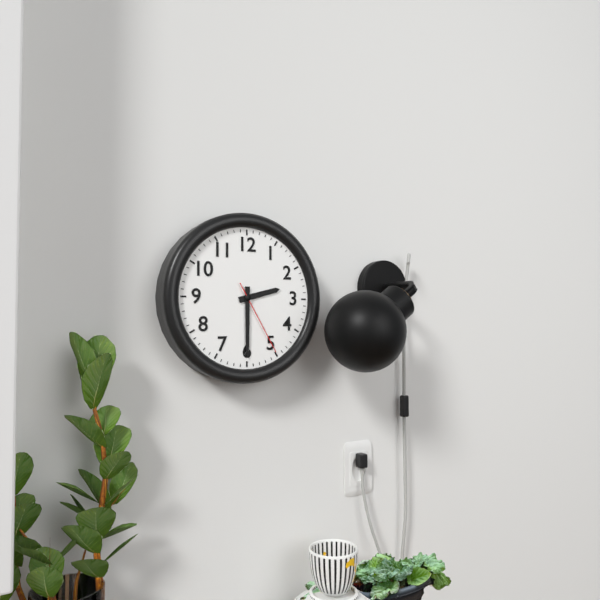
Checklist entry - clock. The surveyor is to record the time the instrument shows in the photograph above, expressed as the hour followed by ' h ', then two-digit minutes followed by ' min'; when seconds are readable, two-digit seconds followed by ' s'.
2 h 30 min 25 s
